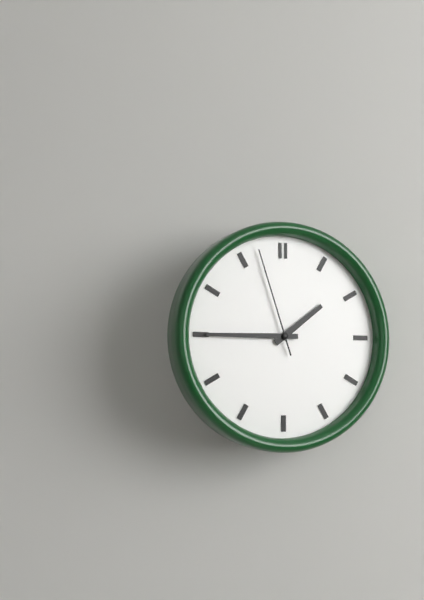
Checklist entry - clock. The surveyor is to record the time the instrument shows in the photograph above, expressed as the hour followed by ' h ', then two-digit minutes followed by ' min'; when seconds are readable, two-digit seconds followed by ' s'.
1 h 45 min 57 s
